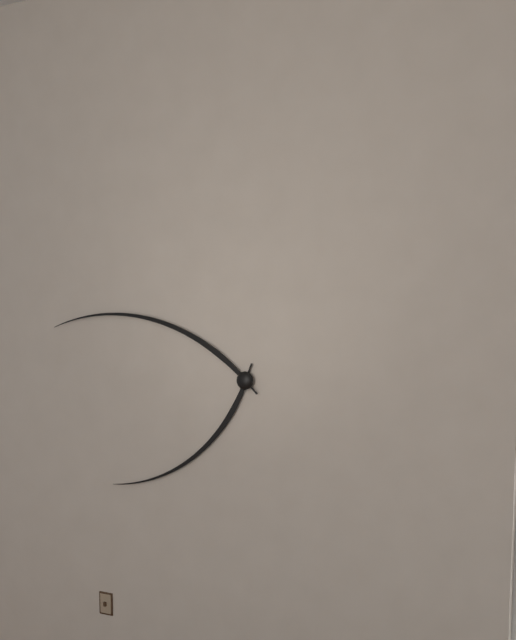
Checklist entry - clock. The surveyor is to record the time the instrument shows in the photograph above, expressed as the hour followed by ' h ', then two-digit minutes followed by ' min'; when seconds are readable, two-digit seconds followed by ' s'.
7 h 47 min
